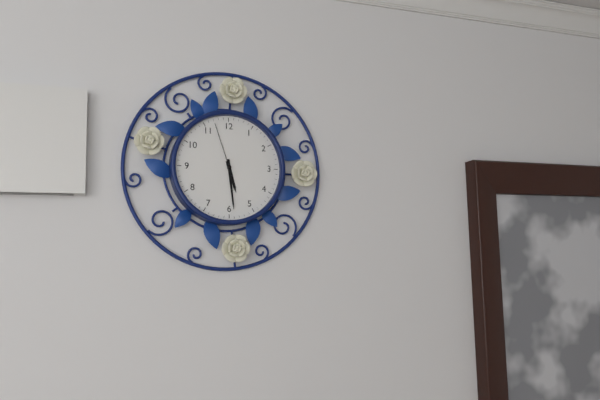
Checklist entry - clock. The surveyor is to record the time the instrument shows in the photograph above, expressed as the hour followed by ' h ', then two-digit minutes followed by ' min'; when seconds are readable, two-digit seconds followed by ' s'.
5 h 29 min 57 s
